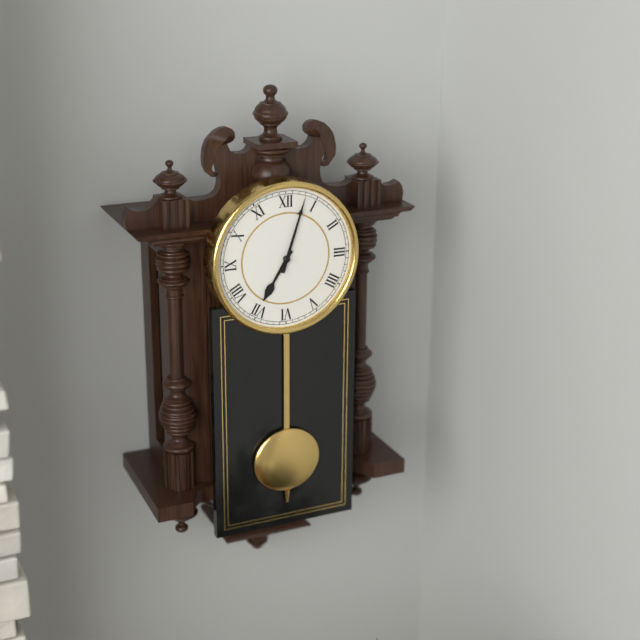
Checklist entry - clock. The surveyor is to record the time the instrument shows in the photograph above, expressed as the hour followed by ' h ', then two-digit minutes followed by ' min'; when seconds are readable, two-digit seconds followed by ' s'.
7 h 03 min
